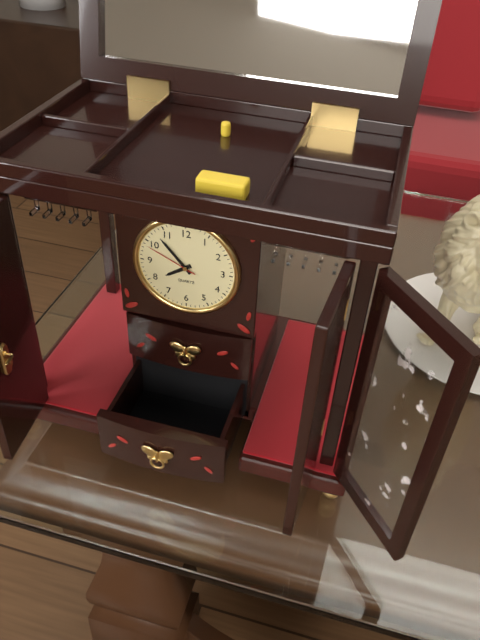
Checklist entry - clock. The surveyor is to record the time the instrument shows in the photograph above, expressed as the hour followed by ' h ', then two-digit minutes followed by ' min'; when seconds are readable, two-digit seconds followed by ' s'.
7 h 53 min 49 s
